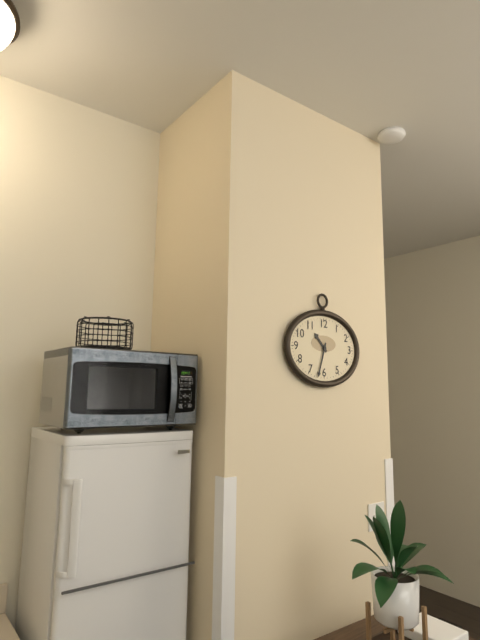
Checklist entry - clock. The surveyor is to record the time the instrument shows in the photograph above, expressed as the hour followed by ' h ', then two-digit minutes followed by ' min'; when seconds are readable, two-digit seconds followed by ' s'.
10 h 33 min
